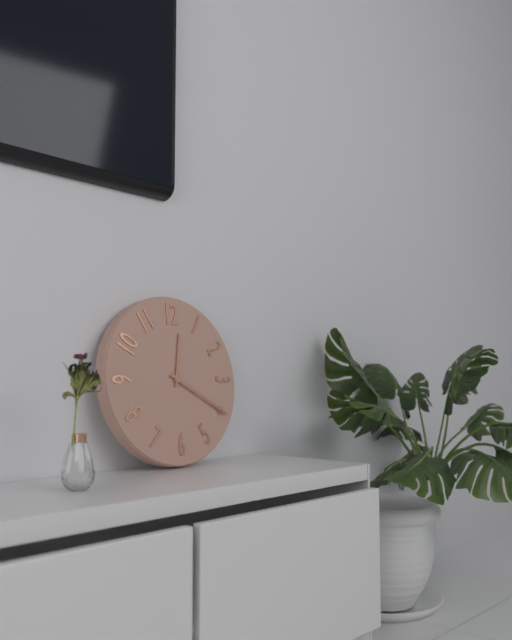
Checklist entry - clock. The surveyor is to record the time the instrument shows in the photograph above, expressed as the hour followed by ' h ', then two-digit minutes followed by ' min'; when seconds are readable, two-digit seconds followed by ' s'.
12 h 20 min
